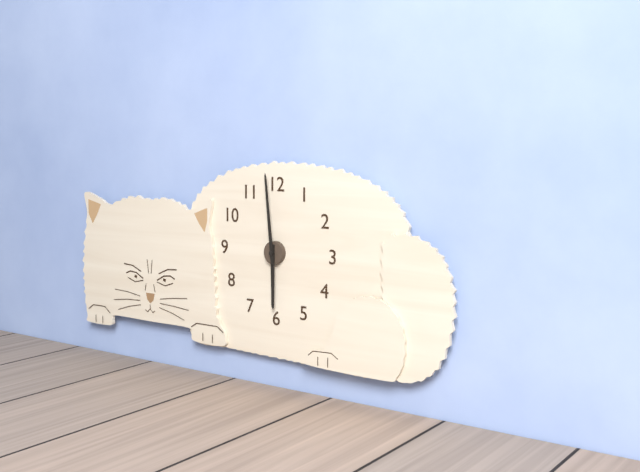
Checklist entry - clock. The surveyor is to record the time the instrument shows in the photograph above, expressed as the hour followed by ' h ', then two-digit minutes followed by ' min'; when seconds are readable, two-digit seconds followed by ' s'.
5 h 59 min
